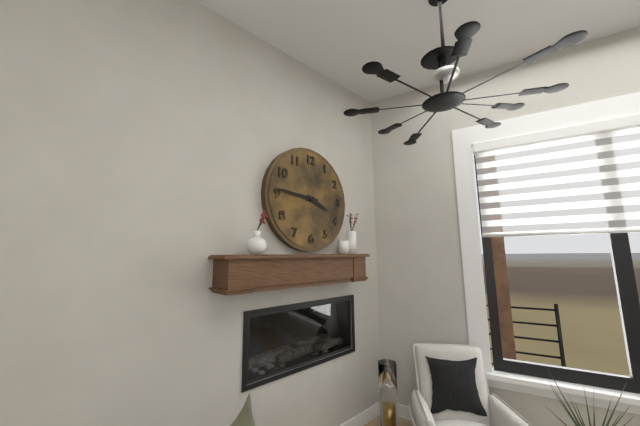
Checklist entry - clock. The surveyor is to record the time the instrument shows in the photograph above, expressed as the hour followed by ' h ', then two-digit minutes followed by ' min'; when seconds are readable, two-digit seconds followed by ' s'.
3 h 46 min
